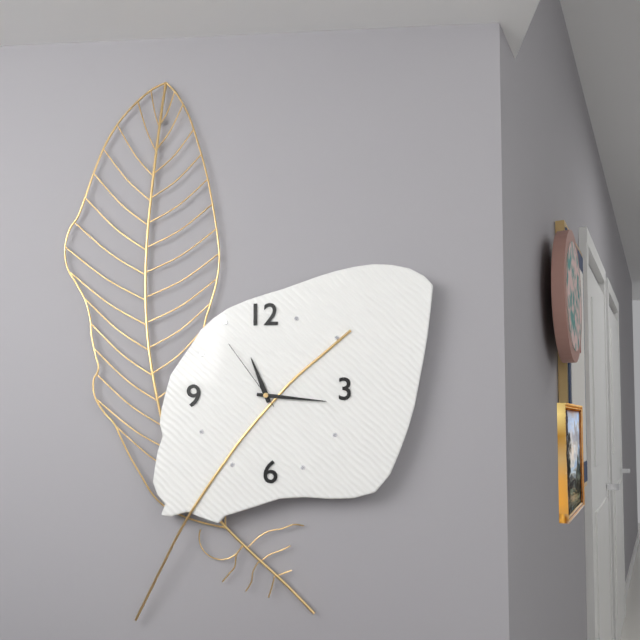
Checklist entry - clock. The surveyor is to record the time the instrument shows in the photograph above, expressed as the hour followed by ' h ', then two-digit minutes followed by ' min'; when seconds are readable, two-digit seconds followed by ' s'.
11 h 16 min 54 s
